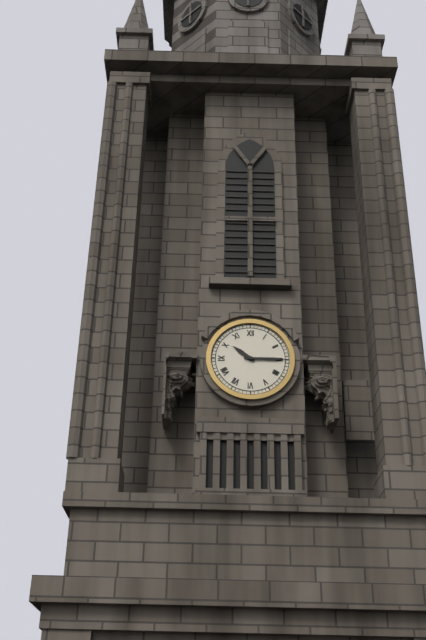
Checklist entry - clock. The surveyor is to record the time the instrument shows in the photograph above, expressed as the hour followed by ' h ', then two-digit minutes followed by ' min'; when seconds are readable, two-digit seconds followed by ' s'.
10 h 15 min
